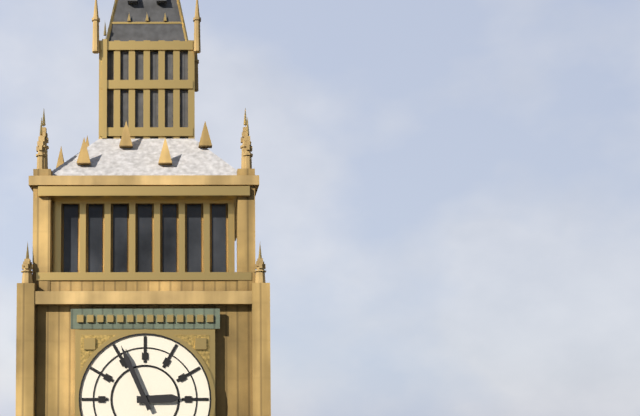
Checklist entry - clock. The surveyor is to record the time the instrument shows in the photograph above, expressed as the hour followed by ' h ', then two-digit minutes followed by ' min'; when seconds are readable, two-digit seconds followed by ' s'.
2 h 56 min
